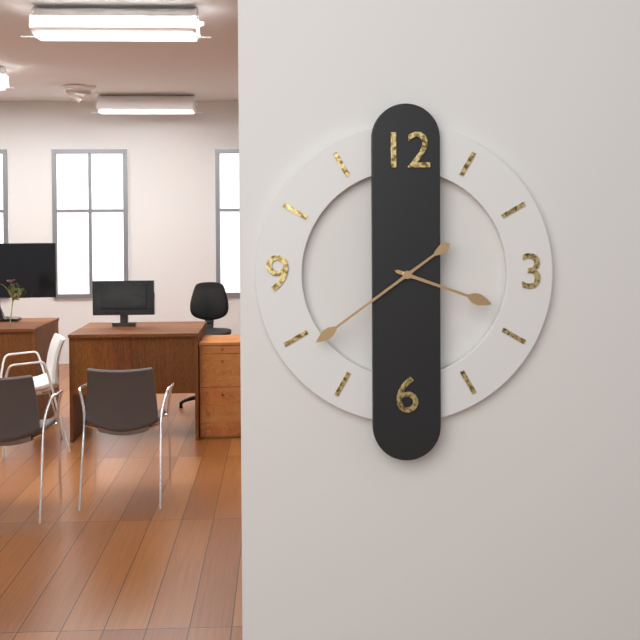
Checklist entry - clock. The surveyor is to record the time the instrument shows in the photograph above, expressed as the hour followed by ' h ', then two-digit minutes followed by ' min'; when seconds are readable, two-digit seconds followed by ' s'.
3 h 39 min
